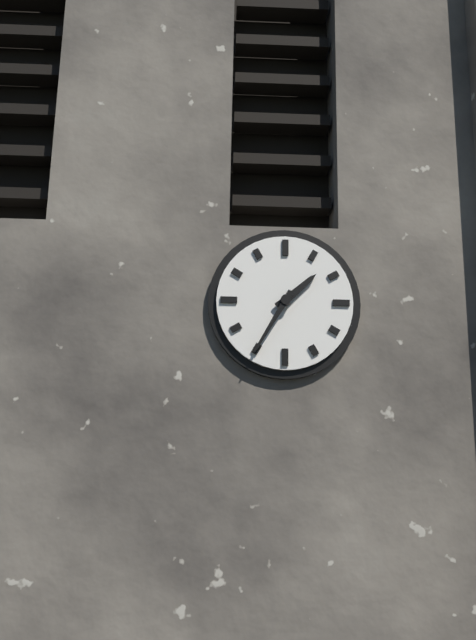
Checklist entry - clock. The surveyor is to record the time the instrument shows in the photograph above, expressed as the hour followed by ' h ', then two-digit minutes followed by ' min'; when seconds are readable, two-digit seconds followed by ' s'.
1 h 35 min
